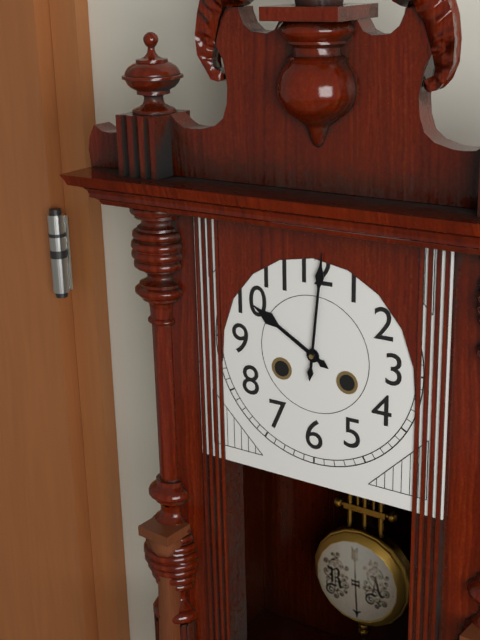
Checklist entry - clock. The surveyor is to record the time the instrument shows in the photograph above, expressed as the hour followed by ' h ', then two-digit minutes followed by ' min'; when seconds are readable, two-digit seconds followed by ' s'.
10 h 01 min
